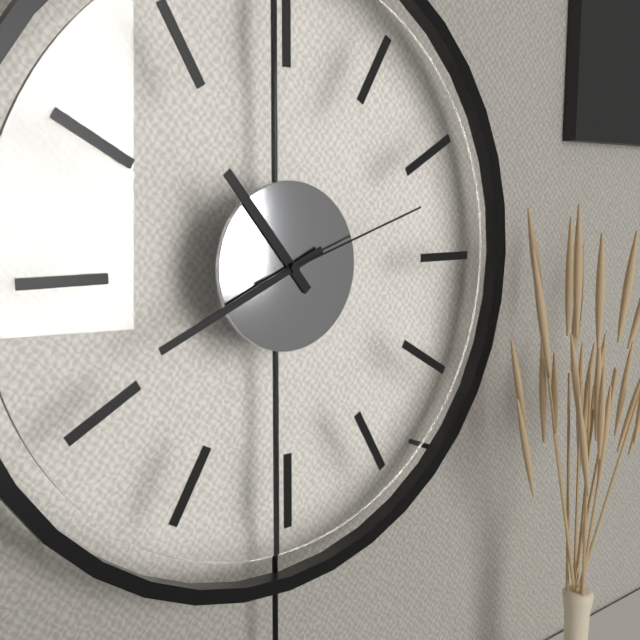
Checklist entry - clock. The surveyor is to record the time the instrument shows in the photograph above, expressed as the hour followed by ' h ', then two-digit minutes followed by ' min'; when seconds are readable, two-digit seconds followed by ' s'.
10 h 41 min 12 s
